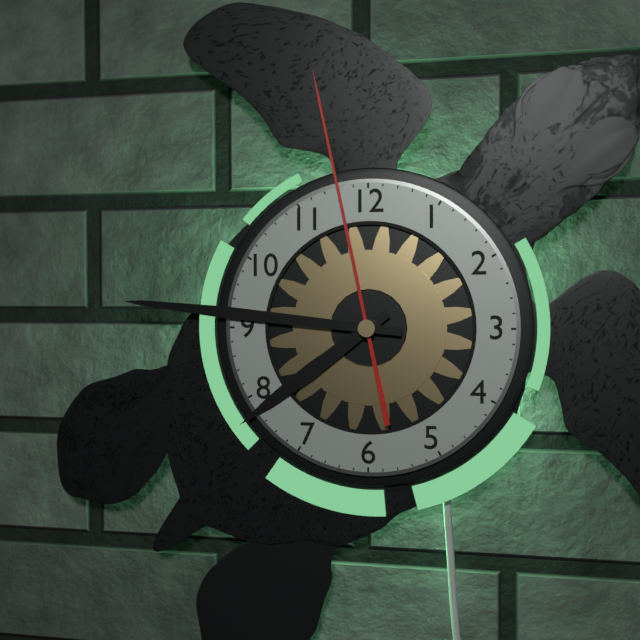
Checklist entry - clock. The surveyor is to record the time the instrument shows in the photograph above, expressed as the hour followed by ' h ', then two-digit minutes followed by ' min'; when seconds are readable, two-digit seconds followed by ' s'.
7 h 46 min 58 s
